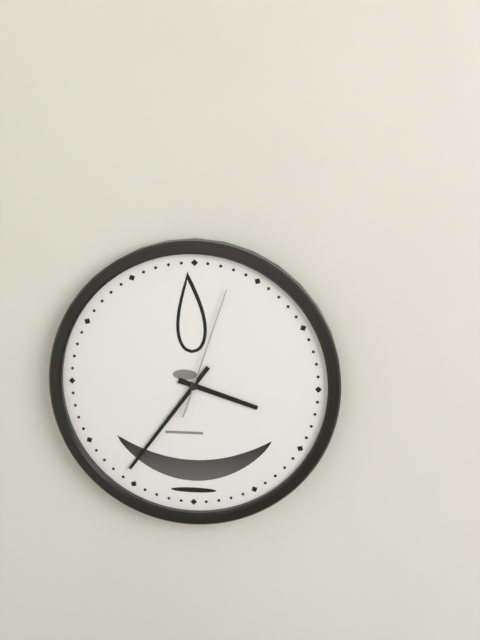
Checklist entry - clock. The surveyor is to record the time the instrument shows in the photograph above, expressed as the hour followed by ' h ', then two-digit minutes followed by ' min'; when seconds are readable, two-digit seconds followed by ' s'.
3 h 36 min 03 s
